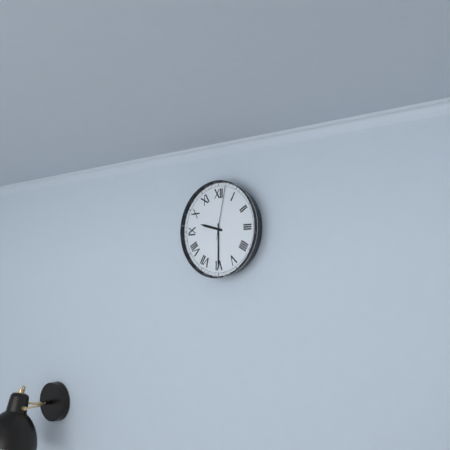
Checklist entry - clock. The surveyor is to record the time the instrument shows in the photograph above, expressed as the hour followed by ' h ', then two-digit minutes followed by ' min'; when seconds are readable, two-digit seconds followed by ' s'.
9 h 30 min 02 s
